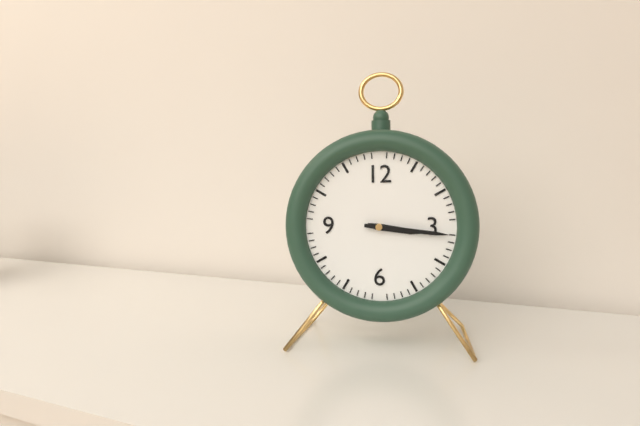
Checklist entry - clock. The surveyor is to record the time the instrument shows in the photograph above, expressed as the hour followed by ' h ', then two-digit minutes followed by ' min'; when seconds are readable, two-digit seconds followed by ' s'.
3 h 16 min
